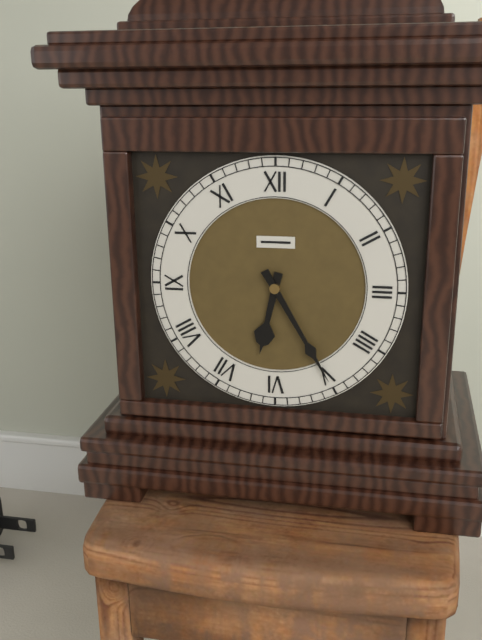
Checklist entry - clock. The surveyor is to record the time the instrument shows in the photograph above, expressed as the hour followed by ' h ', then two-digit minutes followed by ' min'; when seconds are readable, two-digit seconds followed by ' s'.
6 h 25 min
